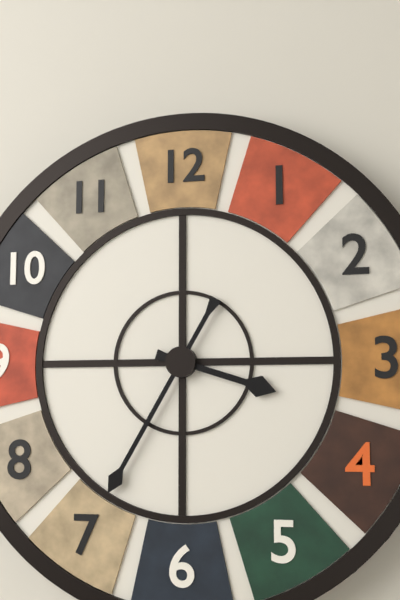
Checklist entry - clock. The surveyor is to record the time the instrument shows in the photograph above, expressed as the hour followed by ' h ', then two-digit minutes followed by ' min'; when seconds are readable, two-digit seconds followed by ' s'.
3 h 35 min
